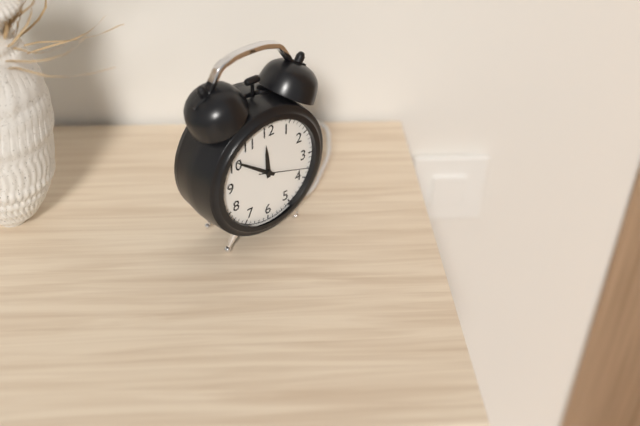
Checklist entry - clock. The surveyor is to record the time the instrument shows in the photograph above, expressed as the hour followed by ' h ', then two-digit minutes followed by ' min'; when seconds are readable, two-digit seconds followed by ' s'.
11 h 51 min 18 s
